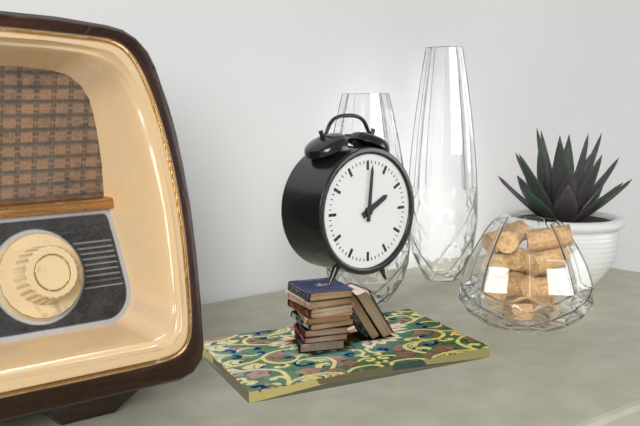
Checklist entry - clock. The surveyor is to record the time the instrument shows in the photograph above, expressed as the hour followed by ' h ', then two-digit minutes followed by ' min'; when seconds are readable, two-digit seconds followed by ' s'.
2 h 01 min
